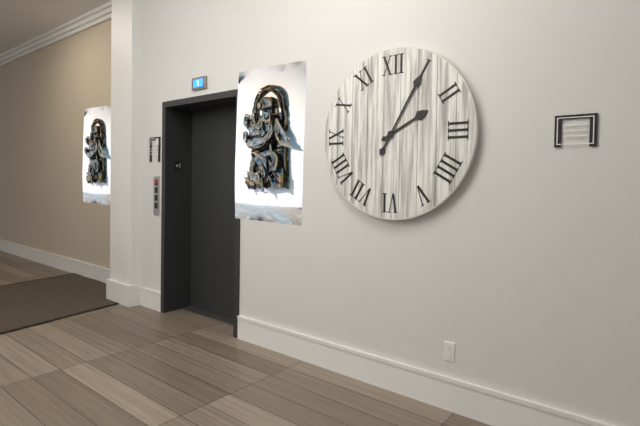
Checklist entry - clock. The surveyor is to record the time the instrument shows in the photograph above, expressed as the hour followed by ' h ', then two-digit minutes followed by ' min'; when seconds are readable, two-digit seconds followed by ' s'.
2 h 05 min
